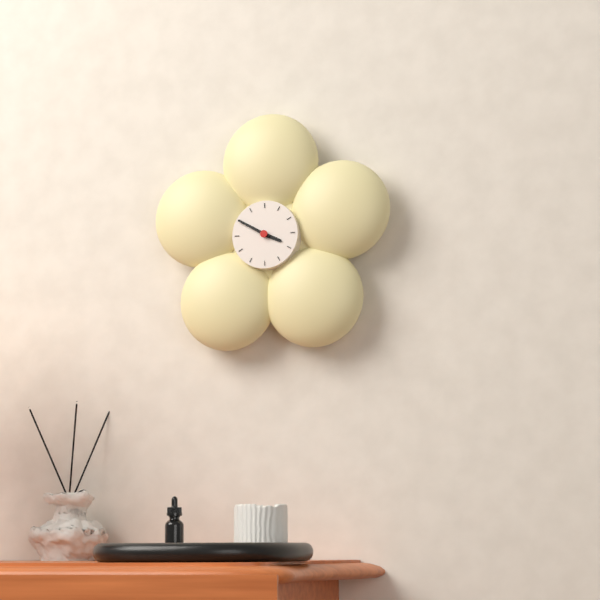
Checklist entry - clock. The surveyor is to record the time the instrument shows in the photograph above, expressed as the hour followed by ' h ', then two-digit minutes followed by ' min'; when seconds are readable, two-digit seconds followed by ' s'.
3 h 50 min
